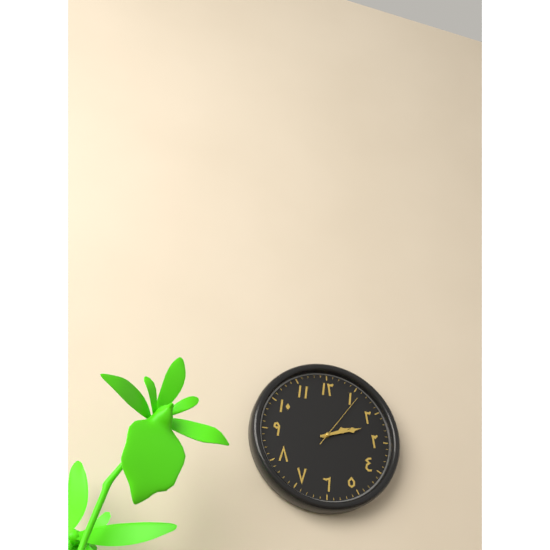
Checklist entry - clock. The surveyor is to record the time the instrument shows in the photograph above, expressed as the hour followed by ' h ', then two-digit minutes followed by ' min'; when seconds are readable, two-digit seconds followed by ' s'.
2 h 12 min 06 s
